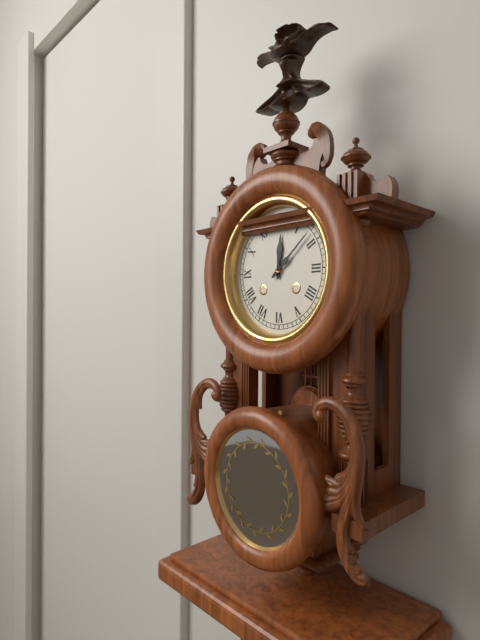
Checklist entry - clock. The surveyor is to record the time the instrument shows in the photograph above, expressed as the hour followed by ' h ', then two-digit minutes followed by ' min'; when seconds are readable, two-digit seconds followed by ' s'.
12 h 08 min
